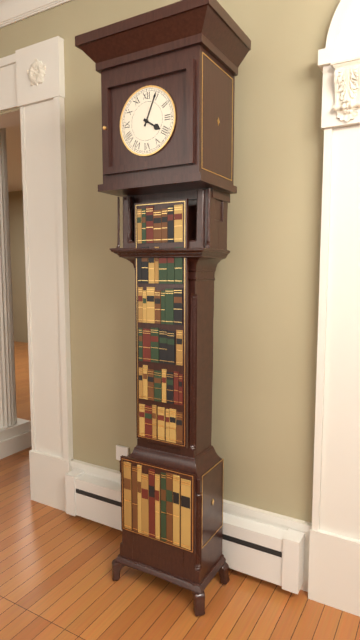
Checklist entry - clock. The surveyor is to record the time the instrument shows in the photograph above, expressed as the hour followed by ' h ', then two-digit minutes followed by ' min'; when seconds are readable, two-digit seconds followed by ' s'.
4 h 04 min
